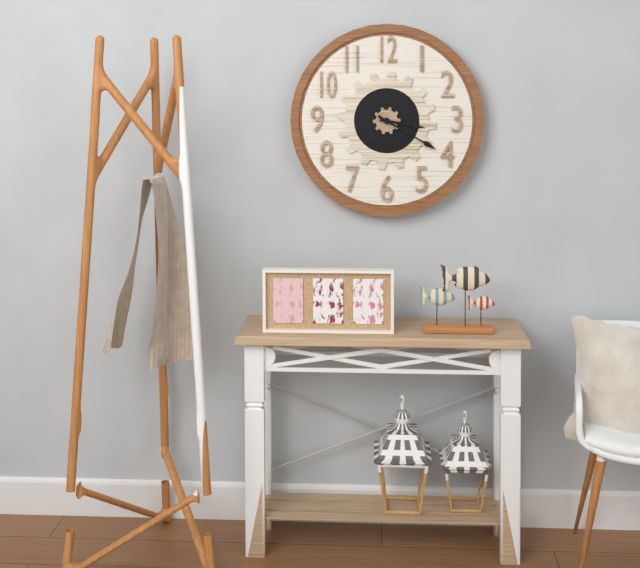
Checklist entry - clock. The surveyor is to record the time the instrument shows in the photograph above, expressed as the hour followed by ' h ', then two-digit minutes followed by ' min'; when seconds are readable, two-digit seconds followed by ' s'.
3 h 20 min
